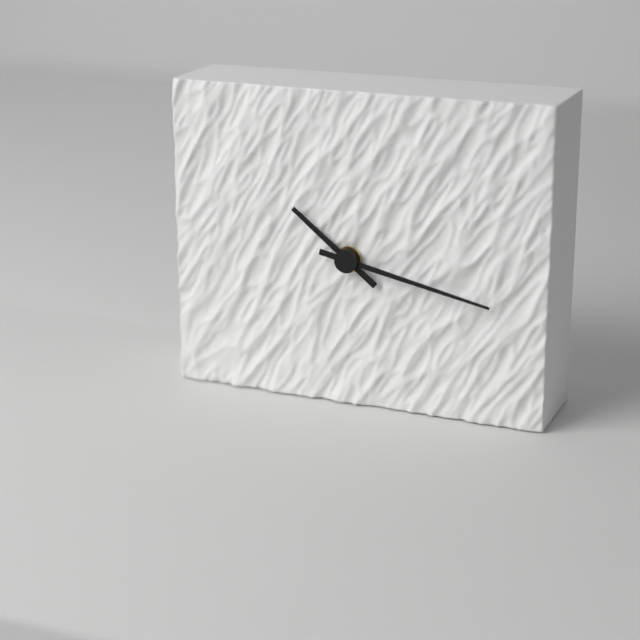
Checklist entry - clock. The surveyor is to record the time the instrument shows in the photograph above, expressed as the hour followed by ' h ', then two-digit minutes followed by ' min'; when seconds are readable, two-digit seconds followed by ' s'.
10 h 17 min
